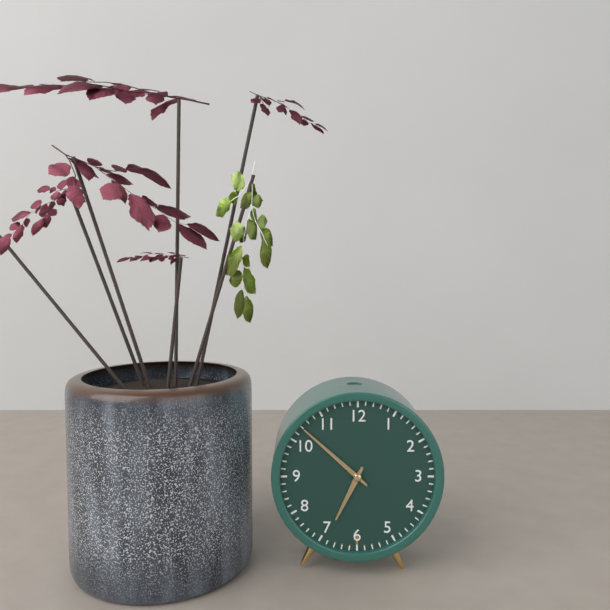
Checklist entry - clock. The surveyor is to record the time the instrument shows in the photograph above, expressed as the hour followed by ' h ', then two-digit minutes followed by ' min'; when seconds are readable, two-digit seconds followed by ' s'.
6 h 52 min
